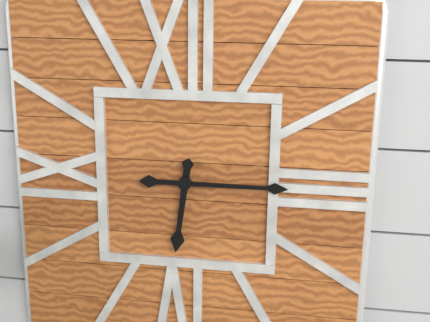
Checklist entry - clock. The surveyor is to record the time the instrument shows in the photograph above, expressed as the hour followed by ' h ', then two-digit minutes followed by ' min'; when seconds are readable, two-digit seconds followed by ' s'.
6 h 15 min
